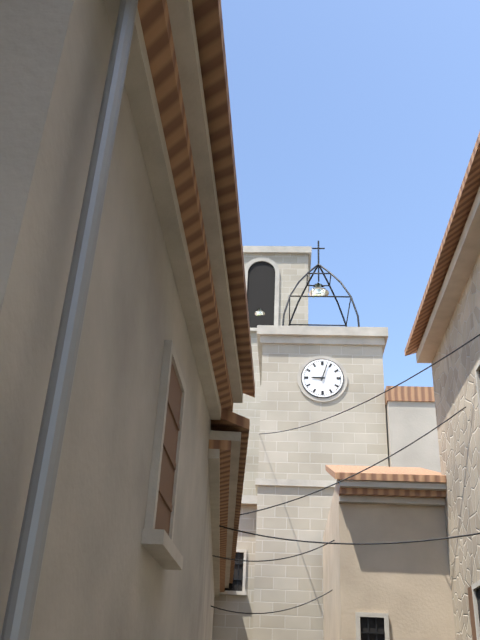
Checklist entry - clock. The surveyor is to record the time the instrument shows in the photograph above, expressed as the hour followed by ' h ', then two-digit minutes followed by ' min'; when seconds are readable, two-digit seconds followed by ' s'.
9 h 03 min
